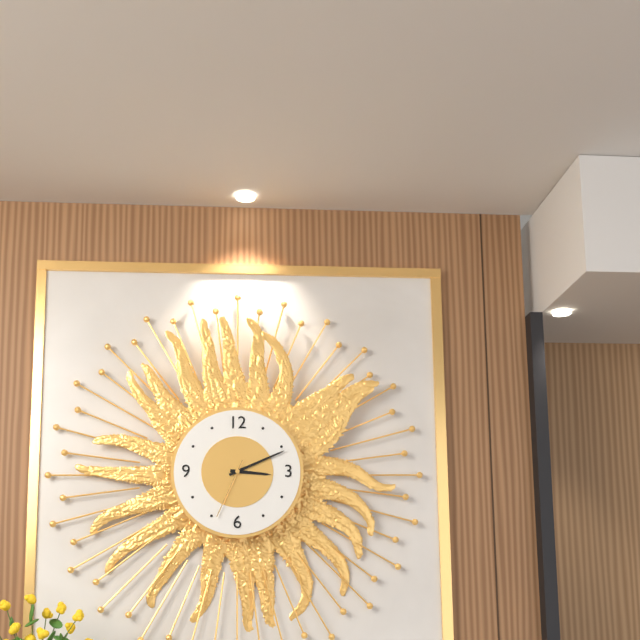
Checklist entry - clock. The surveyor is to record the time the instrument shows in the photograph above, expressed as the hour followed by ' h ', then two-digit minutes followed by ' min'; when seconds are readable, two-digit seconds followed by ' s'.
3 h 11 min 34 s
